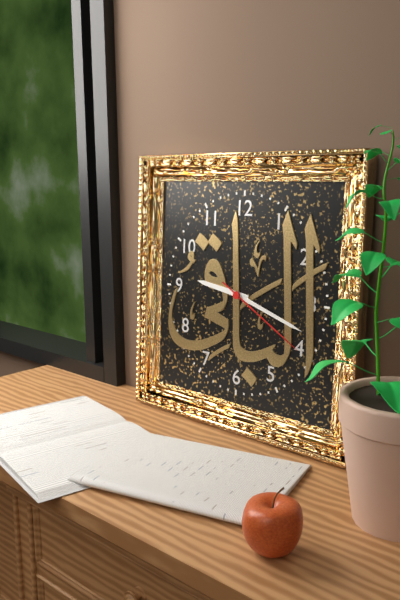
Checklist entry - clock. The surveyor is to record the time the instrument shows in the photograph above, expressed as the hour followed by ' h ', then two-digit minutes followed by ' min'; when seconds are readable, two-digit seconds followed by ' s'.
9 h 18 min 20 s
